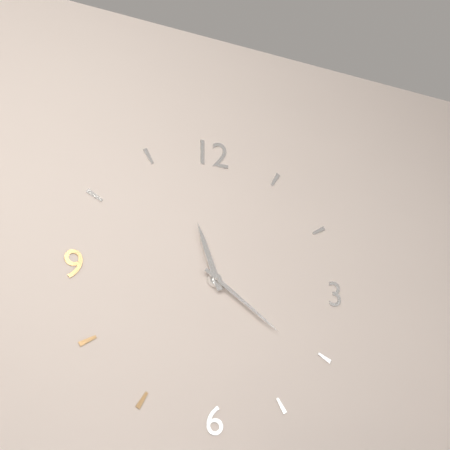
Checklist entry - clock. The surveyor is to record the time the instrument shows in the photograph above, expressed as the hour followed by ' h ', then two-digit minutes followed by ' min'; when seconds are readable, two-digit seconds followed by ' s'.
11 h 21 min
